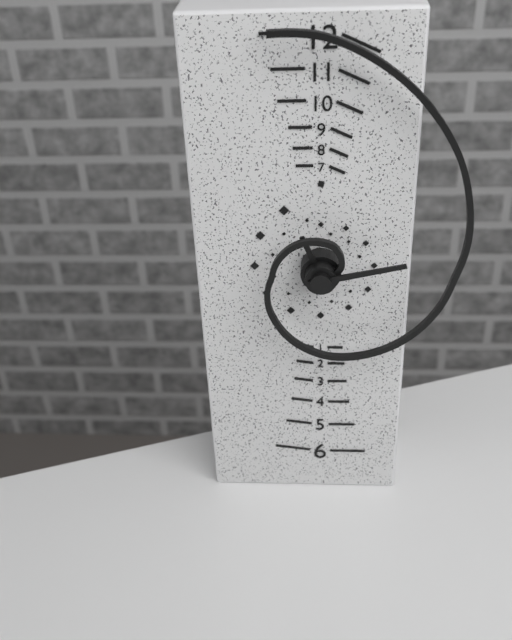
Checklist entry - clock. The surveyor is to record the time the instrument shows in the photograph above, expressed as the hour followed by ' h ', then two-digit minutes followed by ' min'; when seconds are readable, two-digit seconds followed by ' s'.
11 h 13 min
